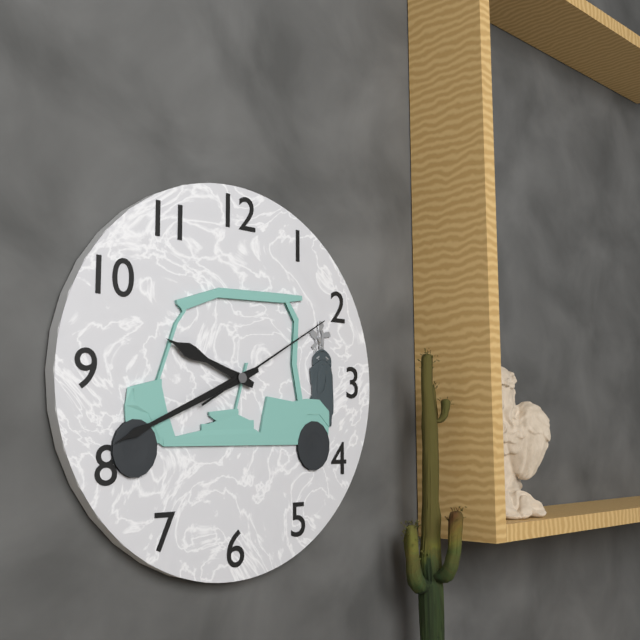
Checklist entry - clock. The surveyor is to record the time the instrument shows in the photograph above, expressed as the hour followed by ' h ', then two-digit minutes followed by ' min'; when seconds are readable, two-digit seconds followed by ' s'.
9 h 41 min 10 s
